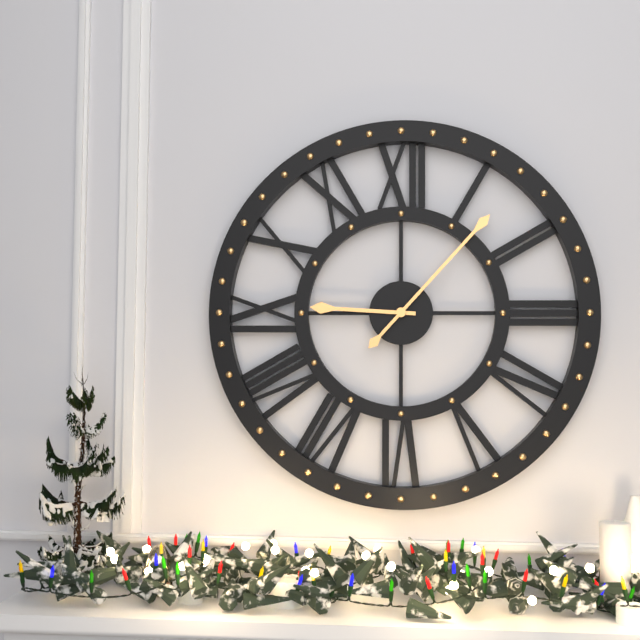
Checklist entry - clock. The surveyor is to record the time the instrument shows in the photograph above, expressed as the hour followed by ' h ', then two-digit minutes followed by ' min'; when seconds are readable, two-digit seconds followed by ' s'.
9 h 07 min
